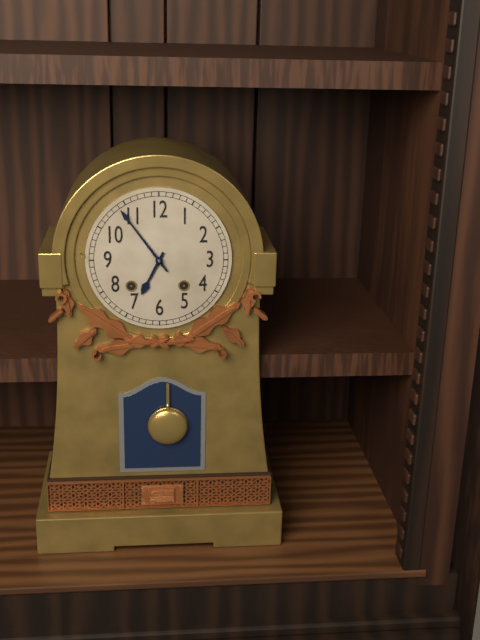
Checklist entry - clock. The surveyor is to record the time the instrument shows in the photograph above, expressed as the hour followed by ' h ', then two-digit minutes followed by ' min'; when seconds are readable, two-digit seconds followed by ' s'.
6 h 54 min
